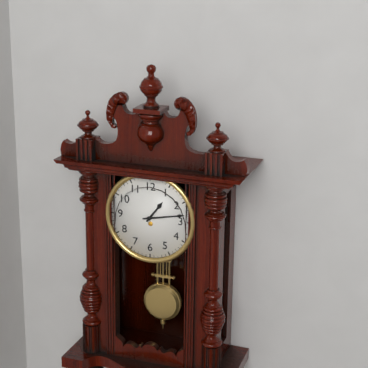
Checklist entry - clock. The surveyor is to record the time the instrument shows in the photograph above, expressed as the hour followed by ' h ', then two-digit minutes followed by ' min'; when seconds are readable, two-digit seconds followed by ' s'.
1 h 13 min
